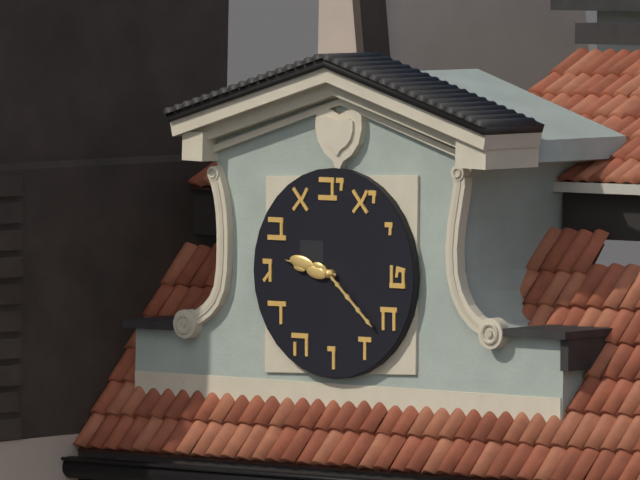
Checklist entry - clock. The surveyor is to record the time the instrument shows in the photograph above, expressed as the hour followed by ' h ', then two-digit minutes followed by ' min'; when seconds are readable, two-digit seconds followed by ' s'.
9 h 22 min
